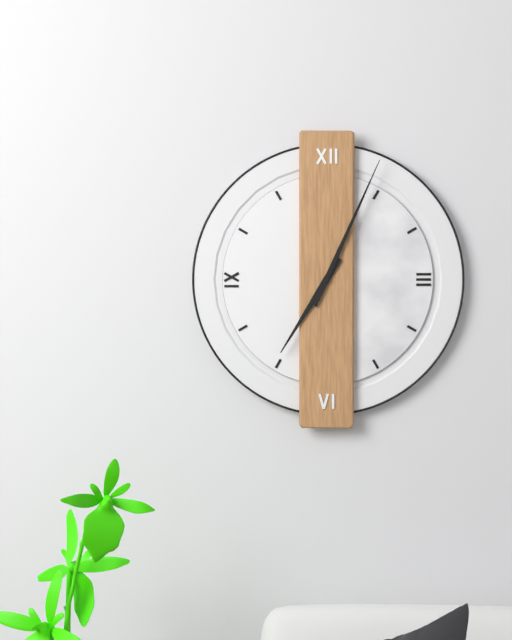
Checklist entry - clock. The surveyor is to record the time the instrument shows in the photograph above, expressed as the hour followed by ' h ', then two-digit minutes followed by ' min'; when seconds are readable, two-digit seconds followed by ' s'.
7 h 04 min
